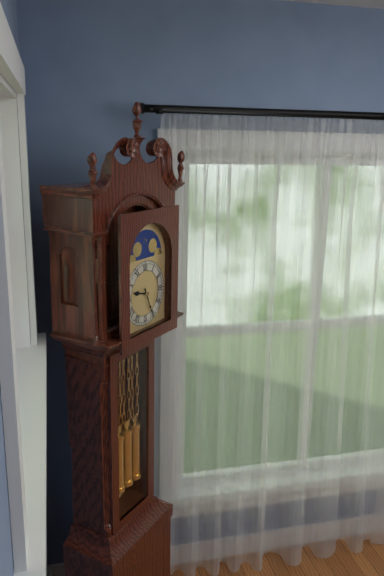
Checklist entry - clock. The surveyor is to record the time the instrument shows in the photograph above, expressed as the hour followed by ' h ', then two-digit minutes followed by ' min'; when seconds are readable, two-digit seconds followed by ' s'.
9 h 26 min
